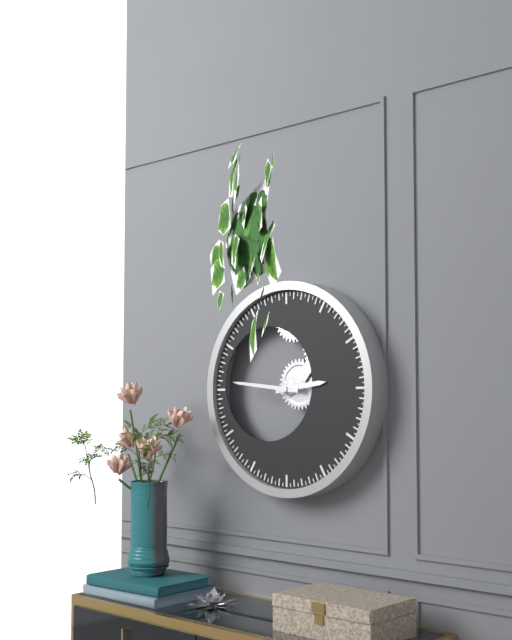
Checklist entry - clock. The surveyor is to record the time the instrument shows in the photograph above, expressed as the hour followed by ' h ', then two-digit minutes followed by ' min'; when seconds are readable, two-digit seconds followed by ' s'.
2 h 46 min
